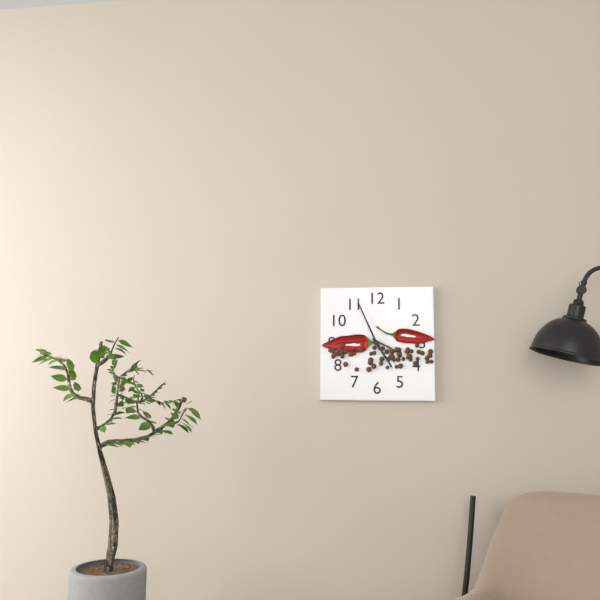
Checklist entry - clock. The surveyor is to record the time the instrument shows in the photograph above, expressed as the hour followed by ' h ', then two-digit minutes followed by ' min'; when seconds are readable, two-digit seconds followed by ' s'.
4 h 56 min
